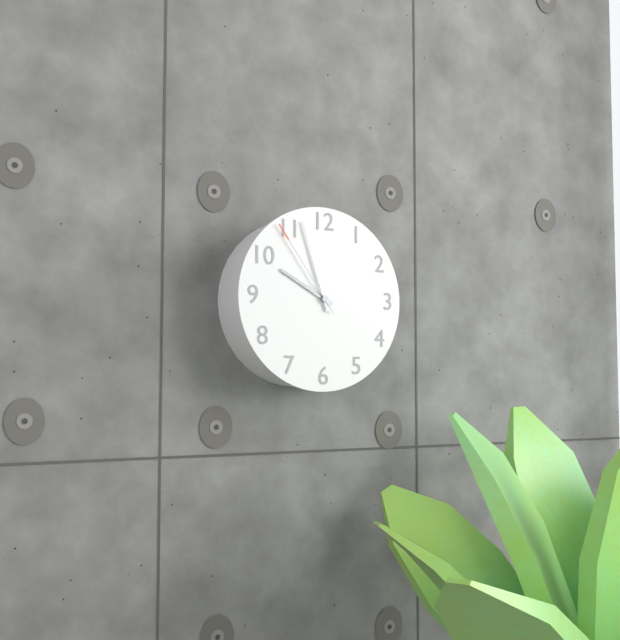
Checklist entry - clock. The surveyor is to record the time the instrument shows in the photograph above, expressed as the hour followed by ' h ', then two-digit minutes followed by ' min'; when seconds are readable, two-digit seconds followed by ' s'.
9 h 57 min 54 s
